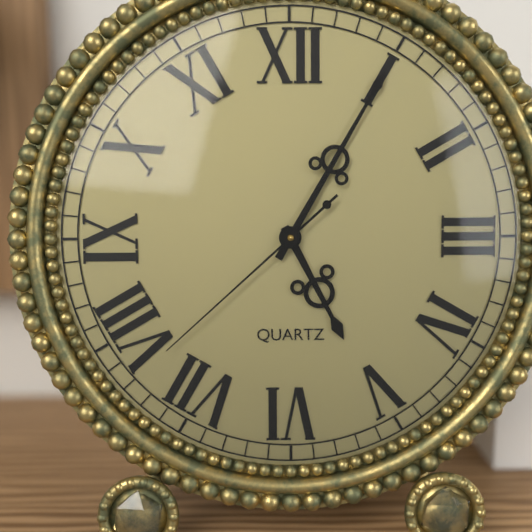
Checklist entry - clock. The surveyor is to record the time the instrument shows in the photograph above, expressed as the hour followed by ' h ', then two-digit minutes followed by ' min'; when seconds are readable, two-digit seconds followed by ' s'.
5 h 05 min 38 s
